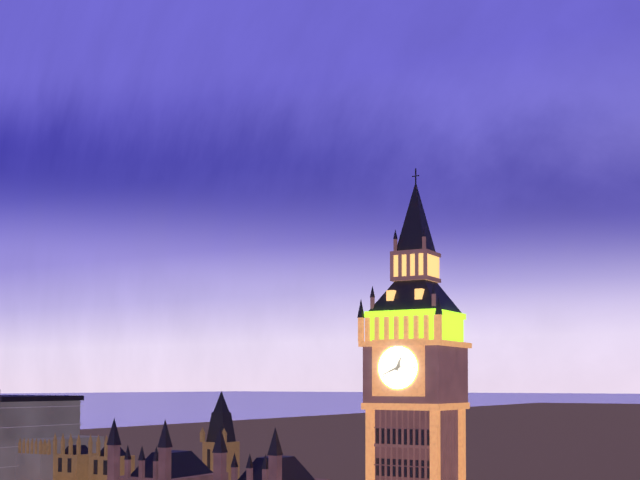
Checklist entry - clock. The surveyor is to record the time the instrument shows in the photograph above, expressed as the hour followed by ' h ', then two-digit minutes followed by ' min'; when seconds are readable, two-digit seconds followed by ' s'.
12 h 41 min
